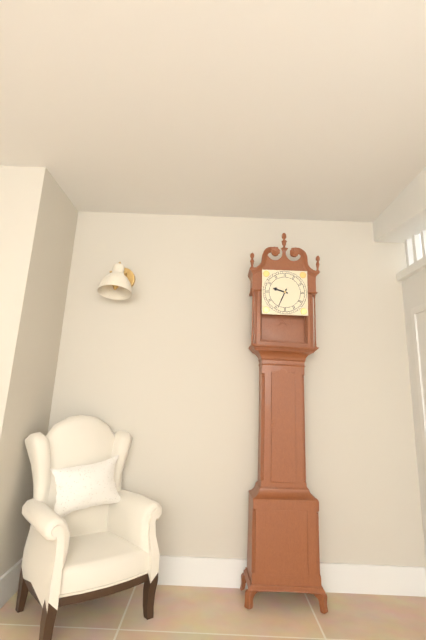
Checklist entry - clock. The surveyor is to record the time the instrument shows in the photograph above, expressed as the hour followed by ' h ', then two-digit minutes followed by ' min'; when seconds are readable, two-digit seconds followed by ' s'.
9 h 34 min
